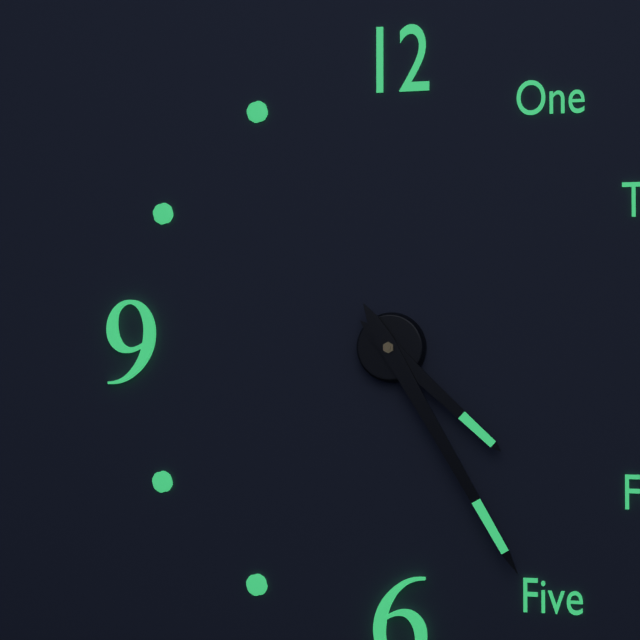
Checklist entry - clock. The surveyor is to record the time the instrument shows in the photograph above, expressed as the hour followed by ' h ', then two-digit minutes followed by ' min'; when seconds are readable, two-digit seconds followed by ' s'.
4 h 25 min
